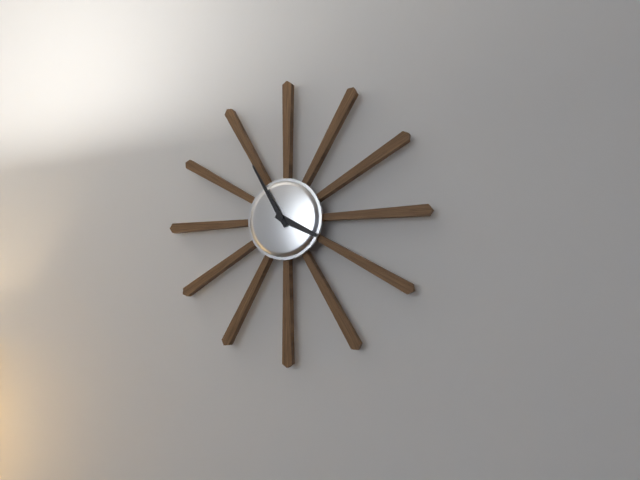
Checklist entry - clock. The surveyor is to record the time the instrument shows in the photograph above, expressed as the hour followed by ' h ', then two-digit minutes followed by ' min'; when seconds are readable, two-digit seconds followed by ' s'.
3 h 55 min
